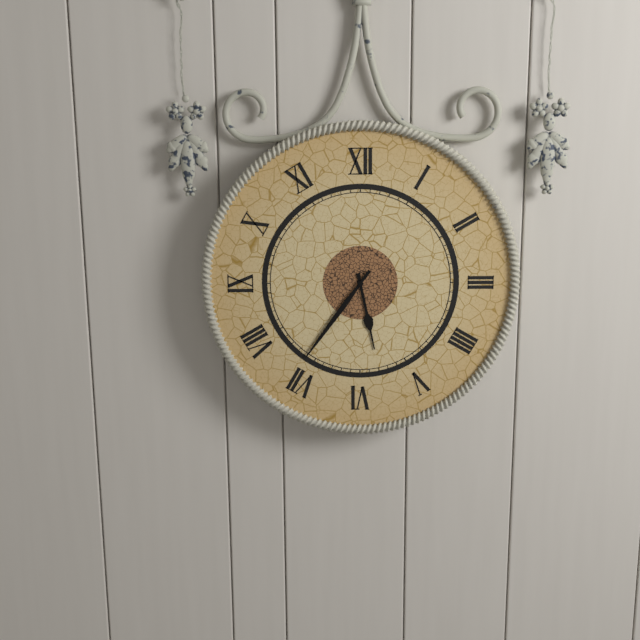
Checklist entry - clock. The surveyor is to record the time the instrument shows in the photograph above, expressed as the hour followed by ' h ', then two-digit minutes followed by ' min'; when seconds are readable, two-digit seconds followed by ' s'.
5 h 36 min
